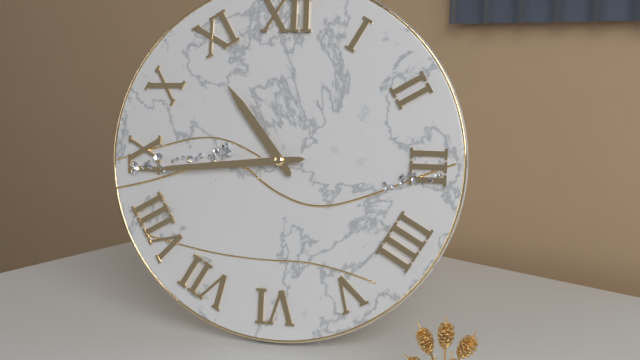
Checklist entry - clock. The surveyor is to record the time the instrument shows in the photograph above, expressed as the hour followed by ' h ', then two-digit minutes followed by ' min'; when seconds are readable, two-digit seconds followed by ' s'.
10 h 44 min
